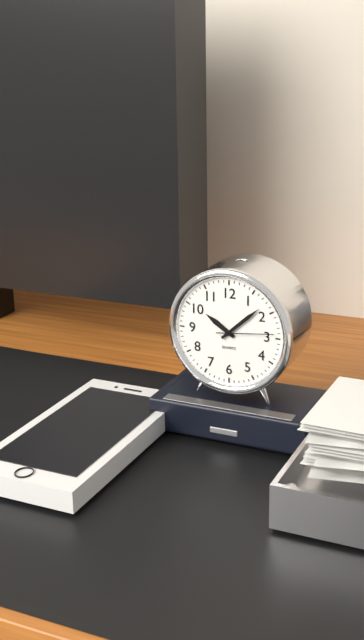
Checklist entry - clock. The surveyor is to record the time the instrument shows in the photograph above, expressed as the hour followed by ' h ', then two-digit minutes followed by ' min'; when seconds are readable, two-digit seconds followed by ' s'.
10 h 08 min 14 s
